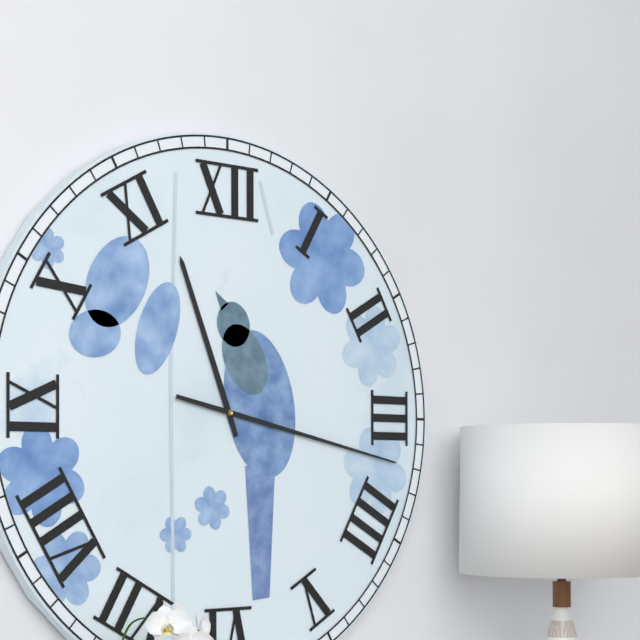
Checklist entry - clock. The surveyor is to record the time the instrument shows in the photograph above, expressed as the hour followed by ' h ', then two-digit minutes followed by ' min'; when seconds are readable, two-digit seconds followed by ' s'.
11 h 17 min
